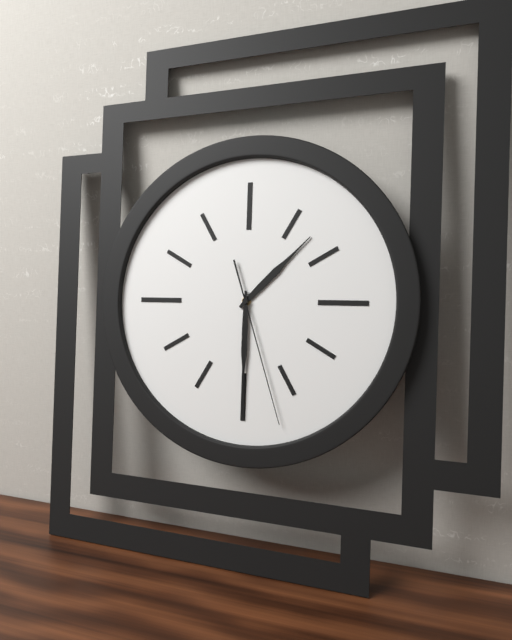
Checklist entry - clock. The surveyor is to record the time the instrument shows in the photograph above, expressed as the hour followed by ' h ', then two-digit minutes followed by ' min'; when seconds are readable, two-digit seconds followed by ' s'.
1 h 30 min 27 s
